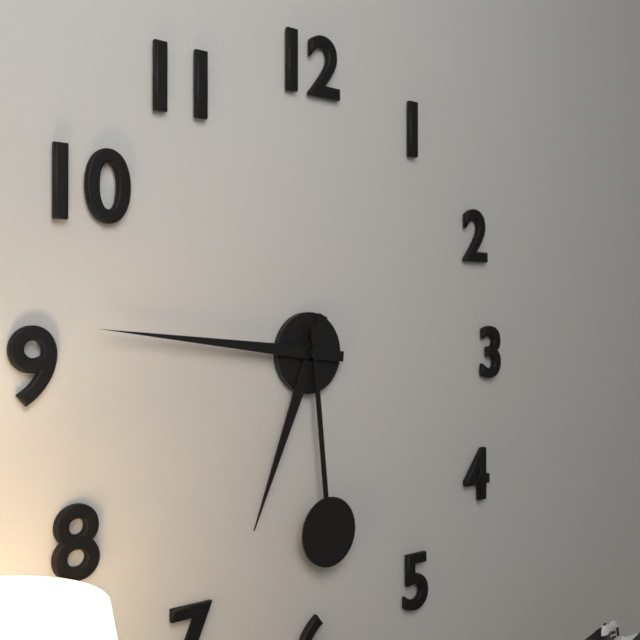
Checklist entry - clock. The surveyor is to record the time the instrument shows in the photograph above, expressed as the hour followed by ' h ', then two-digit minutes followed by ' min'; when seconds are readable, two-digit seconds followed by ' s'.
6 h 46 min 29 s
